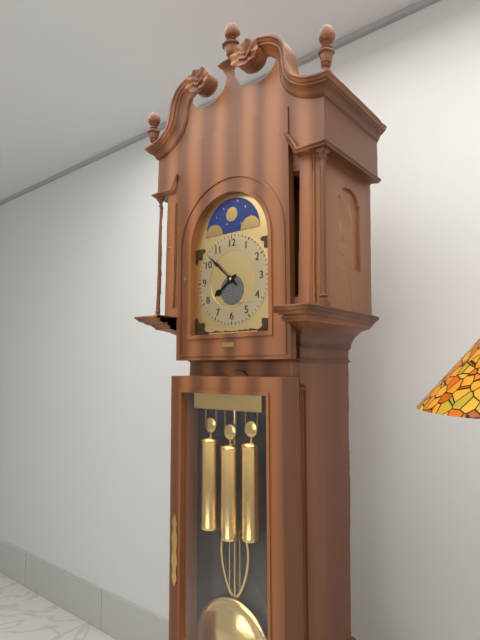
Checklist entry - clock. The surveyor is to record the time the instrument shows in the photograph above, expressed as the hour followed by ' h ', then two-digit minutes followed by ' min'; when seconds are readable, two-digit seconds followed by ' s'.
7 h 52 min
